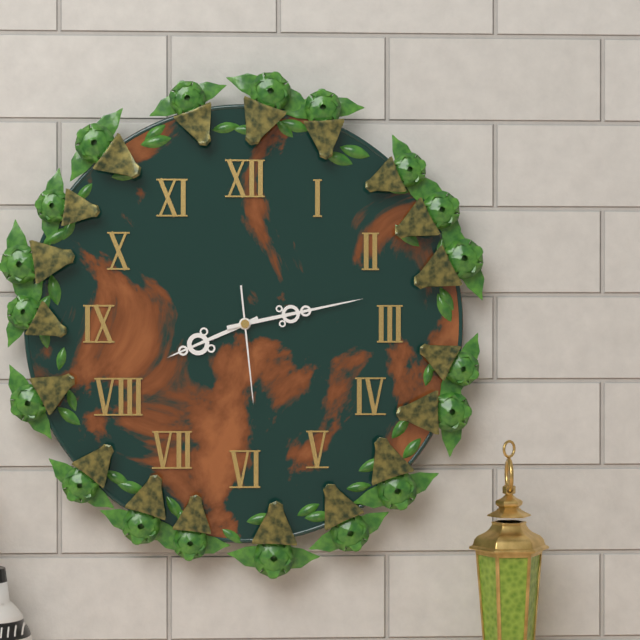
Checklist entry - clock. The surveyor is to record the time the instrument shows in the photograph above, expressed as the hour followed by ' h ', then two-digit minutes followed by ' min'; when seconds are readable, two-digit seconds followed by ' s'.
8 h 13 min 29 s
